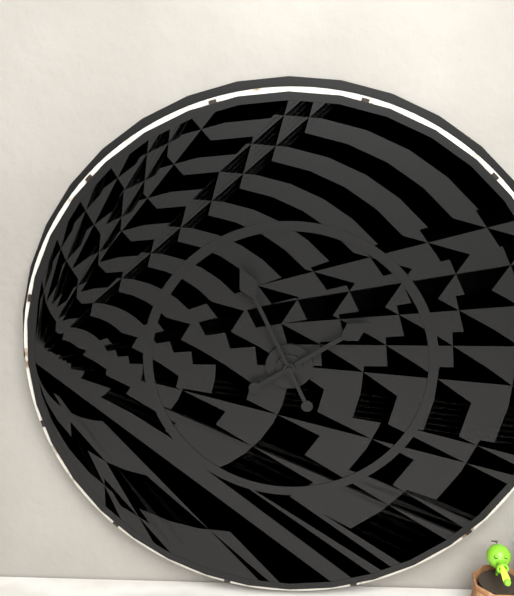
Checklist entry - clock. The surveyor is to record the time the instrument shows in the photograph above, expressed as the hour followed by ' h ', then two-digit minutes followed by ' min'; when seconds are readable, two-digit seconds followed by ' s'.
1 h 56 min
